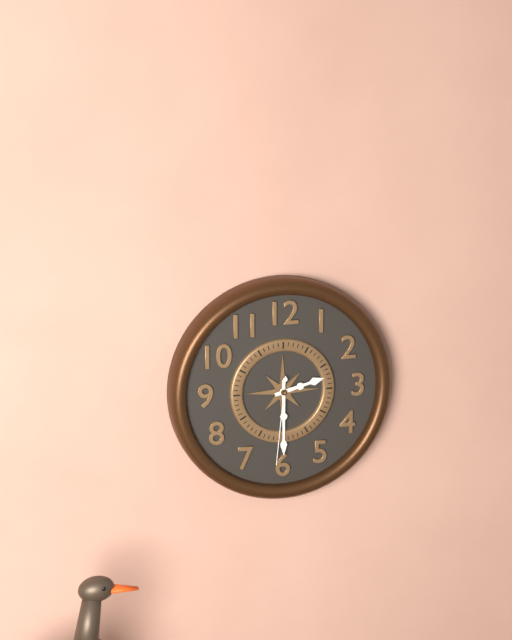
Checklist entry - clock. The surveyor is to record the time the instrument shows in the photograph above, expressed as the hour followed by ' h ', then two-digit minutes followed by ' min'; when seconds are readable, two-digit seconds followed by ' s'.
2 h 30 min 31 s
